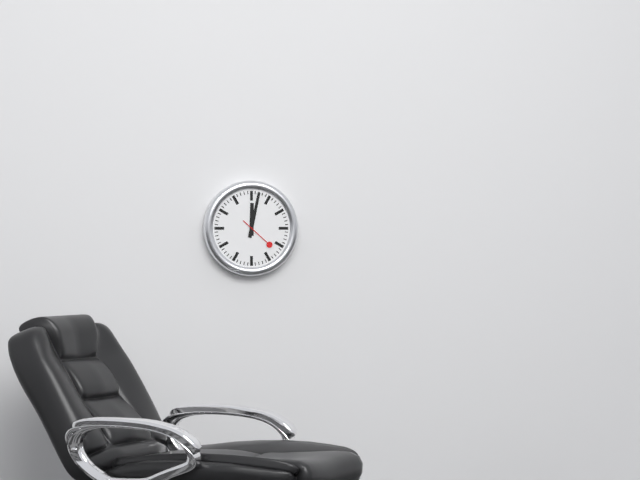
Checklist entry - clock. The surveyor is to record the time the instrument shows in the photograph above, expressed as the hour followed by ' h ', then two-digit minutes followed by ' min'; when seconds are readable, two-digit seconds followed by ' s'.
12 h 02 min
